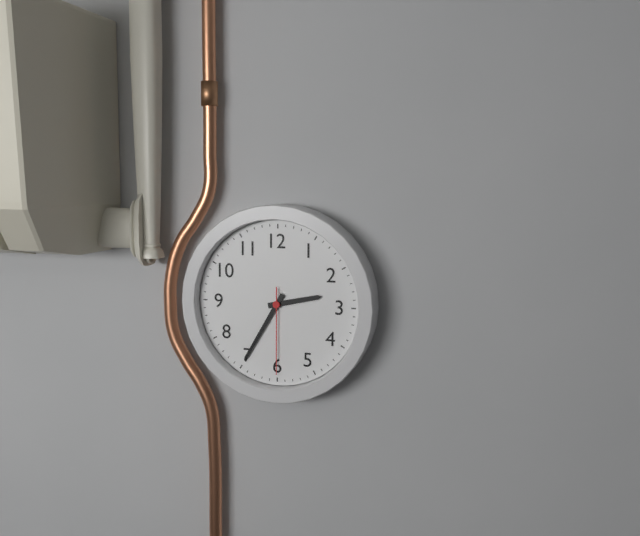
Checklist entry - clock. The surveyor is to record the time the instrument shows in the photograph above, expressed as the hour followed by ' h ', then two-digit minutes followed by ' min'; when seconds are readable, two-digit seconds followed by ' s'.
2 h 35 min 30 s
